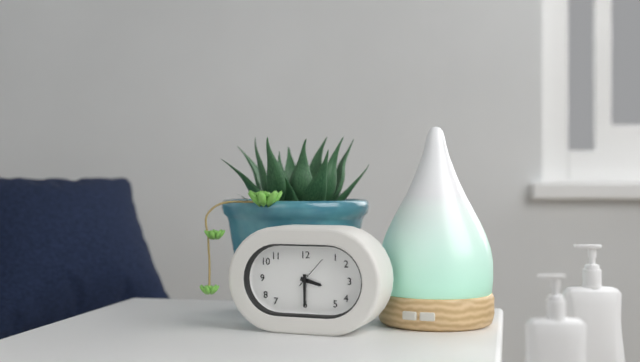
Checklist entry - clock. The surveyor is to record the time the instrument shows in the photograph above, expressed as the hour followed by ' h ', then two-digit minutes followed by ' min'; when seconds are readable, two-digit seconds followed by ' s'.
3 h 30 min
